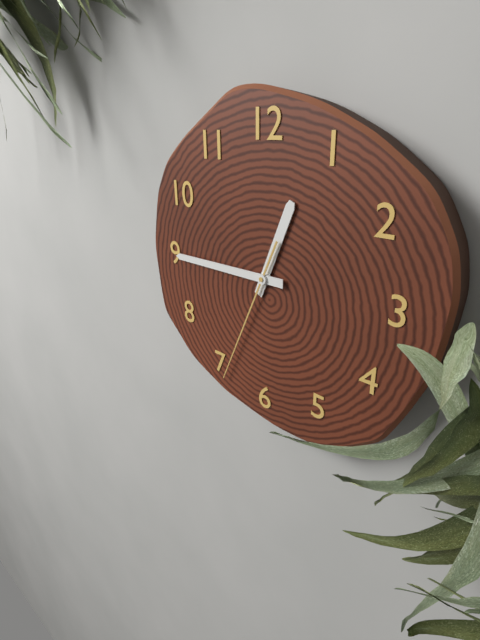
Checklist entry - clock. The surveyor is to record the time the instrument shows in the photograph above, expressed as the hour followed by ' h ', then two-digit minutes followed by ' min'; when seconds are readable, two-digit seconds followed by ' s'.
12 h 45 min 34 s
